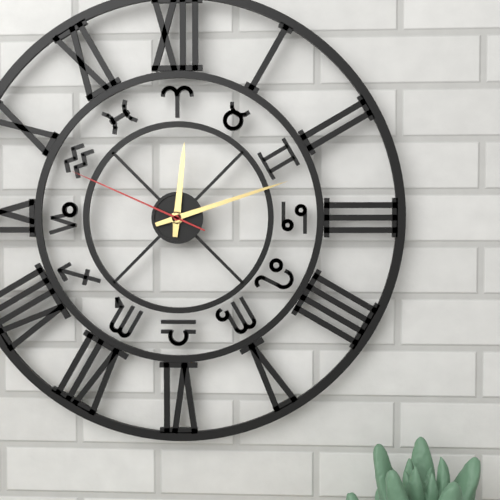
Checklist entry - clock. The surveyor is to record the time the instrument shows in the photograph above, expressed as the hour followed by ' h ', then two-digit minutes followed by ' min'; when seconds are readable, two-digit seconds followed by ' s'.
12 h 12 min 49 s
